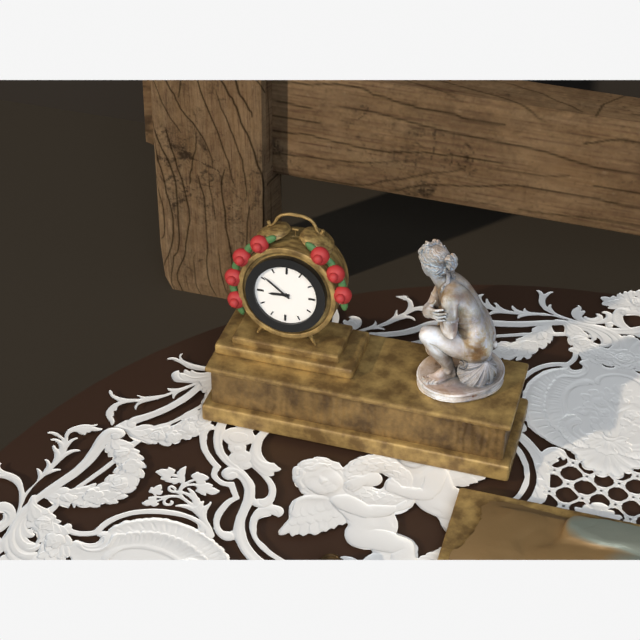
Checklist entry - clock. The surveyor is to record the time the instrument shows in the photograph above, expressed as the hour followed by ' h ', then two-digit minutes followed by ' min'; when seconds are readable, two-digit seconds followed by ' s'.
8 h 51 min
